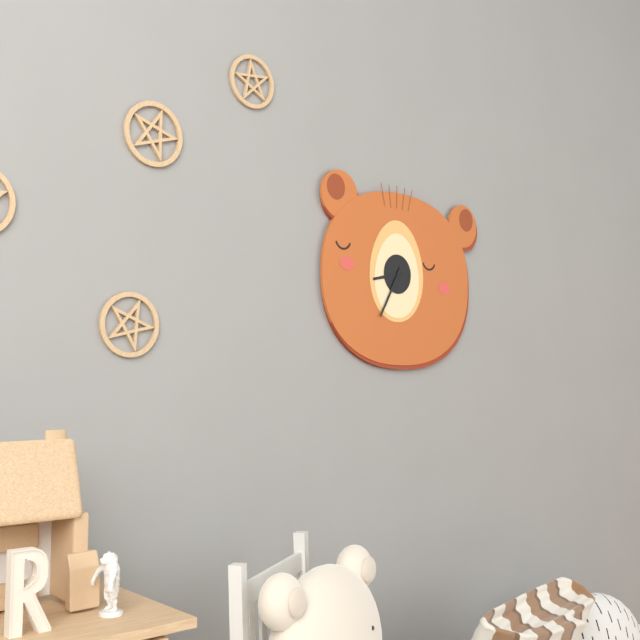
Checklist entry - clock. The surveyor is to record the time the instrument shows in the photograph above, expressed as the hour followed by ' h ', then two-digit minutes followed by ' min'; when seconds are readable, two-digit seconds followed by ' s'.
8 h 35 min
